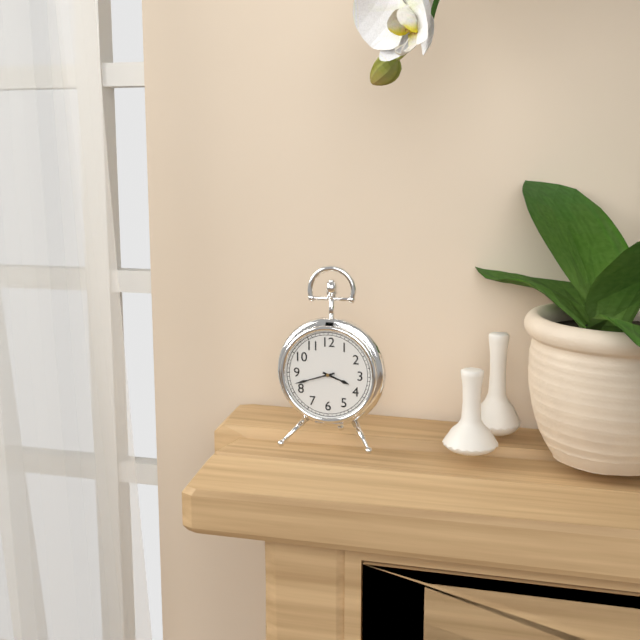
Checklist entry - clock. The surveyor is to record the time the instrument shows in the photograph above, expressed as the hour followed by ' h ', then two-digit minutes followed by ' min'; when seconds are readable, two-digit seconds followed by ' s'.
3 h 42 min
